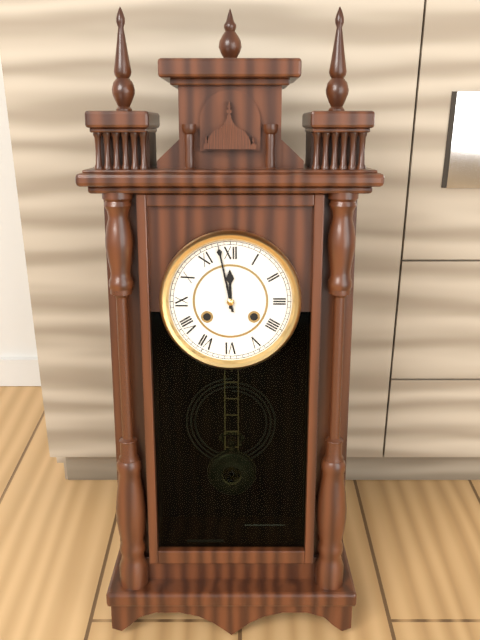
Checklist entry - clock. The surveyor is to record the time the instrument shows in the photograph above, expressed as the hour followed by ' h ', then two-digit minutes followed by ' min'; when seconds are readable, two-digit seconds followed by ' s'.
11 h 58 min
